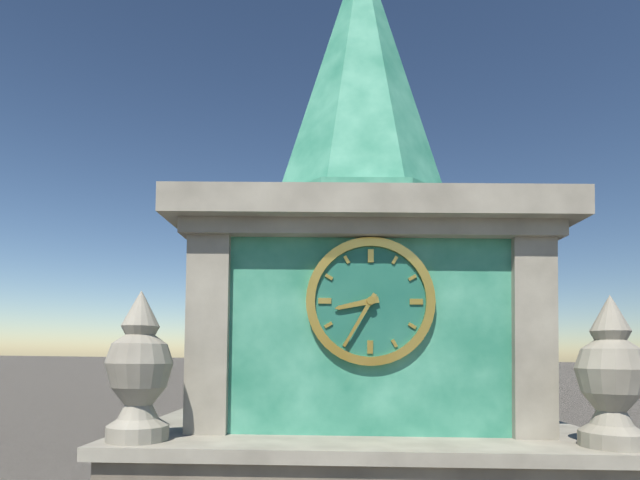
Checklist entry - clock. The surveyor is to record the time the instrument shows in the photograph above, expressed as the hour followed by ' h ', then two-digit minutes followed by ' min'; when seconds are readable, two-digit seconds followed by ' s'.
8 h 35 min
